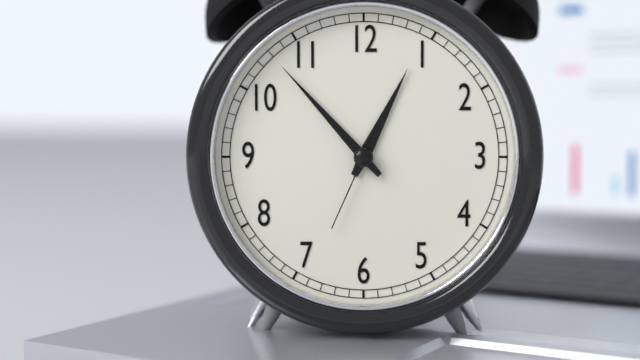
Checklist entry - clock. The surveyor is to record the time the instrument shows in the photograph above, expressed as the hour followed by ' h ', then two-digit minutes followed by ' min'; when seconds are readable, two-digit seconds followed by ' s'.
12 h 53 min 34 s
